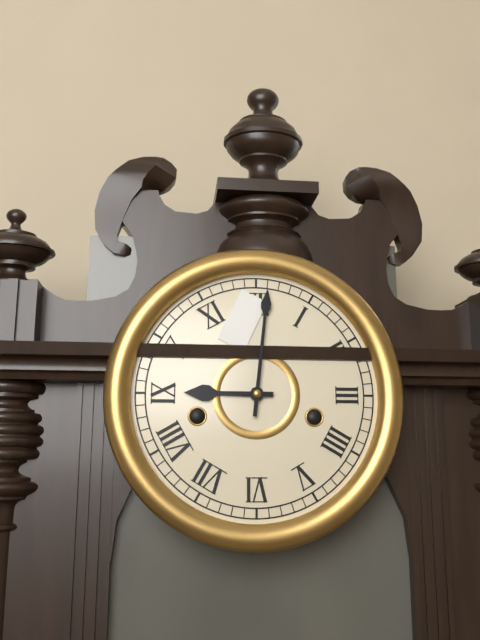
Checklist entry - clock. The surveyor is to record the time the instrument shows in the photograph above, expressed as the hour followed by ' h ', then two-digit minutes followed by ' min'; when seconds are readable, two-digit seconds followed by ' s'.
9 h 01 min
